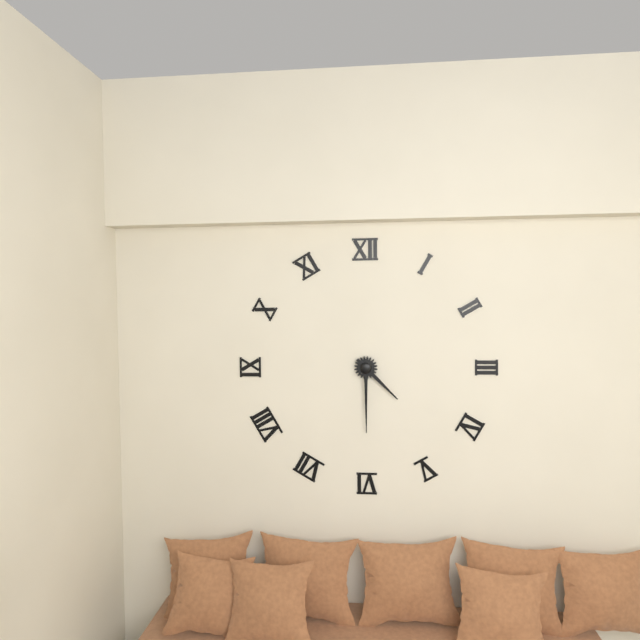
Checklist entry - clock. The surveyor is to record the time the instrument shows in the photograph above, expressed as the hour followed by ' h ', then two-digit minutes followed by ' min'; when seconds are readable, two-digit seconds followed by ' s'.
4 h 30 min
